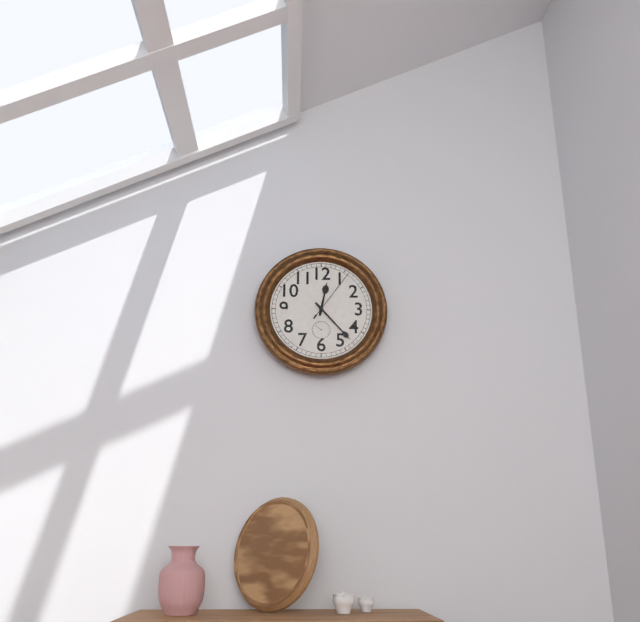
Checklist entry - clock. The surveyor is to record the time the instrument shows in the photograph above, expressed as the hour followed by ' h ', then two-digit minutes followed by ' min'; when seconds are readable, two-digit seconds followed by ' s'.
12 h 23 min 06 s
